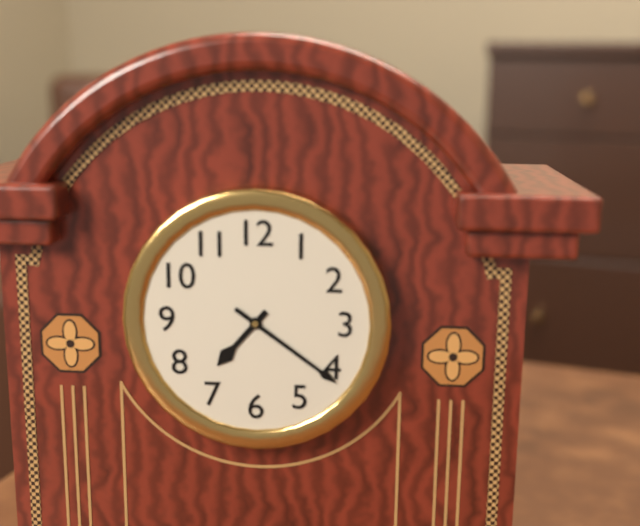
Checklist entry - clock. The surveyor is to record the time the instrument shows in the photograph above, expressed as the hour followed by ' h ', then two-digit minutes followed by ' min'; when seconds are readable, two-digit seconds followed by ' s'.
7 h 21 min
